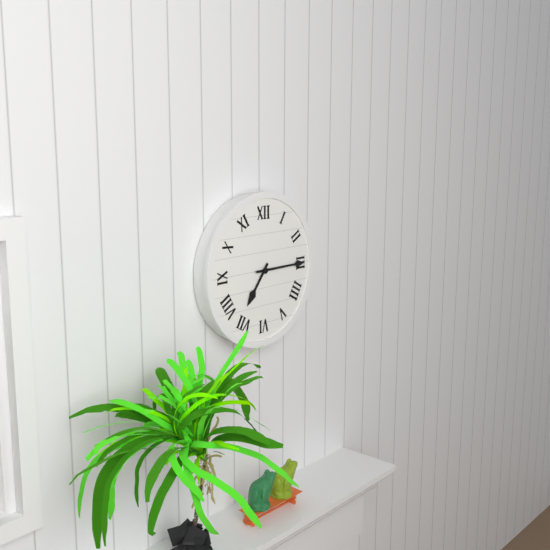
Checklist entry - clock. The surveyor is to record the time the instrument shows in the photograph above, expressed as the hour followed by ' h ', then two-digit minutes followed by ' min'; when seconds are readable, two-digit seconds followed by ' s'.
7 h 15 min
